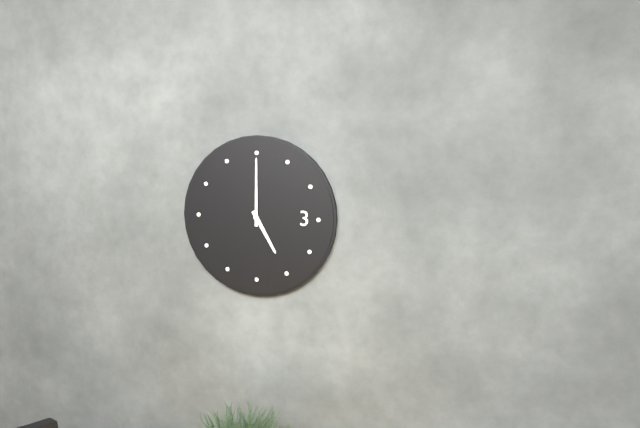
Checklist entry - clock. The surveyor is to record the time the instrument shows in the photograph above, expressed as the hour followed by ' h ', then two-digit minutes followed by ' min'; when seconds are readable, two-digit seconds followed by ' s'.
5 h 00 min
